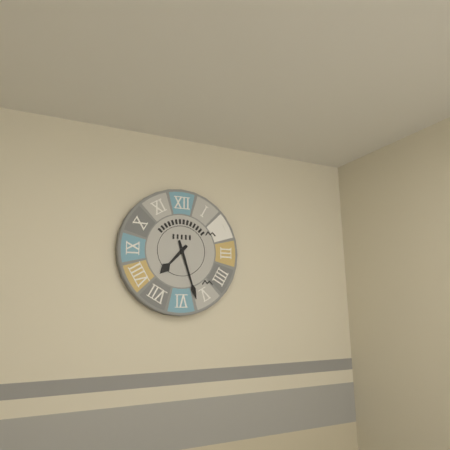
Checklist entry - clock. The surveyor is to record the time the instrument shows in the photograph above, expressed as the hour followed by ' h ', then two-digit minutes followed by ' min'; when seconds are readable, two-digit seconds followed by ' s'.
7 h 27 min
